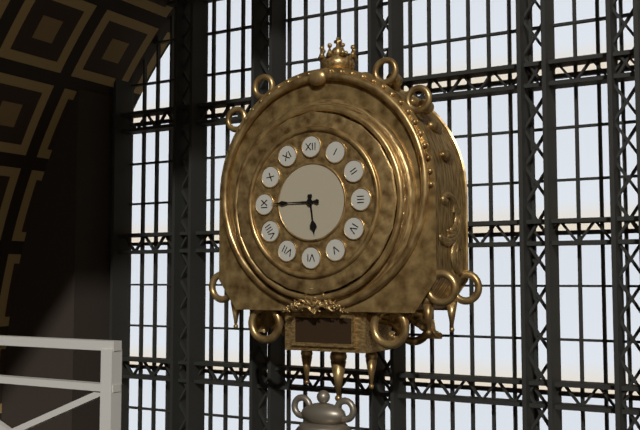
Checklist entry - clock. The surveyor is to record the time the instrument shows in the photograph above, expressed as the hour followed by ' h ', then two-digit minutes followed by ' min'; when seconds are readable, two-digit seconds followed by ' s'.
5 h 45 min
